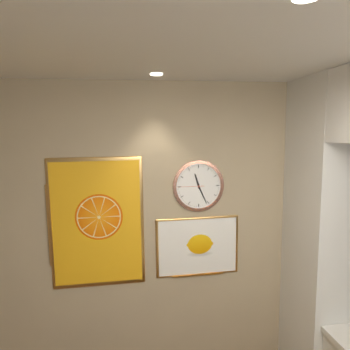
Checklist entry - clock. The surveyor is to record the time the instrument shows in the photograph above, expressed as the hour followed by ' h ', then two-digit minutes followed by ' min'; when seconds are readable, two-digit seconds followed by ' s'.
11 h 26 min
